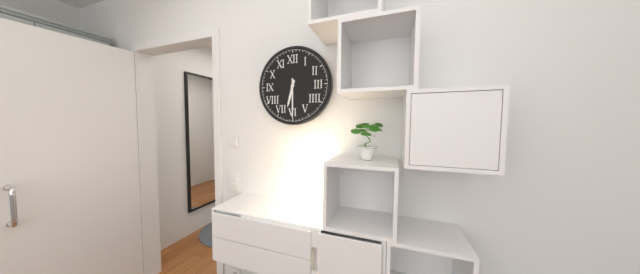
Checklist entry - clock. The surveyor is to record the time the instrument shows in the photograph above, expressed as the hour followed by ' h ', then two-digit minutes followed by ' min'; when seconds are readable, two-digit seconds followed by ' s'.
6 h 30 min
